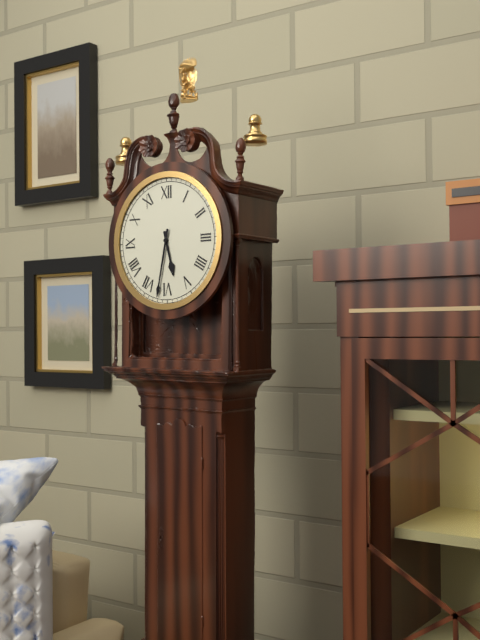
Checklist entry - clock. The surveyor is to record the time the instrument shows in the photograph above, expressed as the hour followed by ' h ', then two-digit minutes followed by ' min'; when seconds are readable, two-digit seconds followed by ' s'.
5 h 32 min
